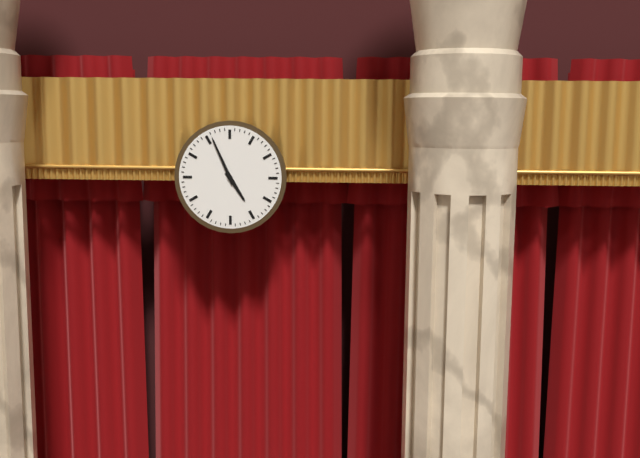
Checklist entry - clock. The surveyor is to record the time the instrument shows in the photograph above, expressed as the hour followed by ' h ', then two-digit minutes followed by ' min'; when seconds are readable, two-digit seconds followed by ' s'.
4 h 56 min
